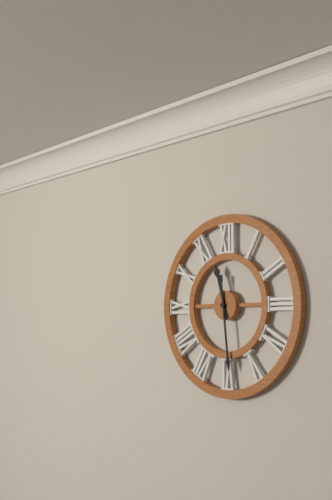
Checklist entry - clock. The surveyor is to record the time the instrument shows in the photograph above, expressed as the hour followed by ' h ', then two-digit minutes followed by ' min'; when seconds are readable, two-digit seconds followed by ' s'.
11 h 29 min
